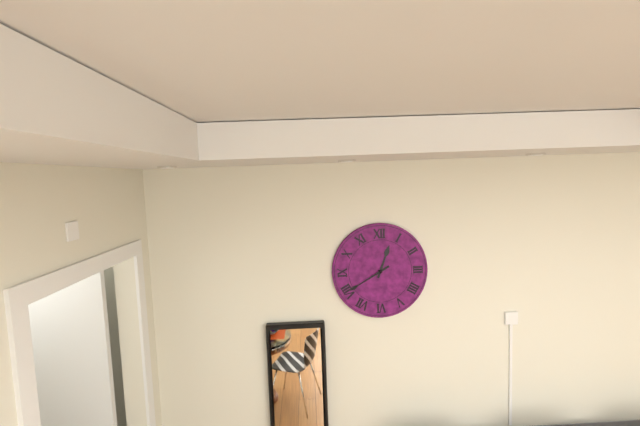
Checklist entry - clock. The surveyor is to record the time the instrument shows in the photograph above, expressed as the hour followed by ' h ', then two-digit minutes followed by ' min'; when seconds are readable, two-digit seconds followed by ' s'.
12 h 40 min
